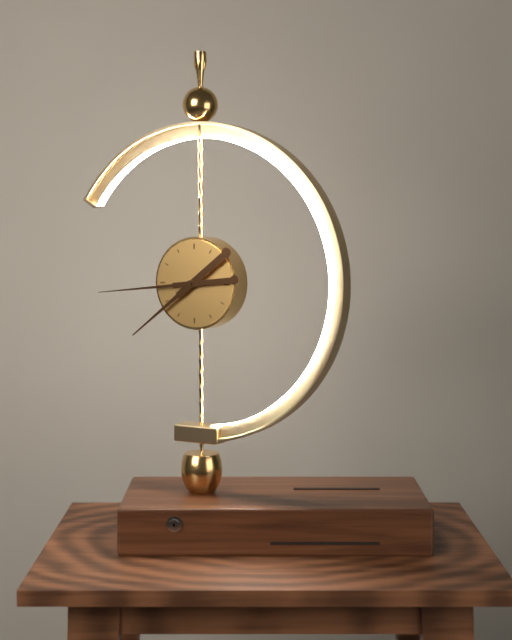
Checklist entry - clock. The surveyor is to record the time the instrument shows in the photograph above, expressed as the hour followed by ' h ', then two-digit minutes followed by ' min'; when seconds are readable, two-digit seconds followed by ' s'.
7 h 44 min
